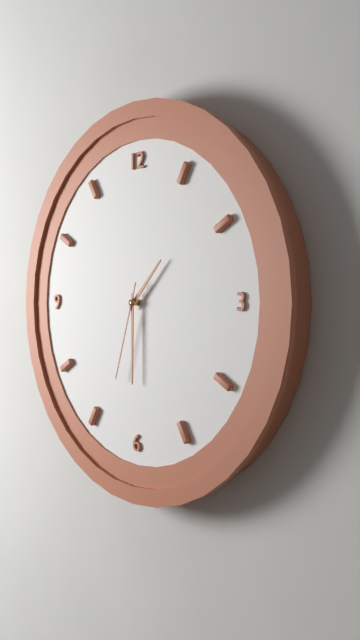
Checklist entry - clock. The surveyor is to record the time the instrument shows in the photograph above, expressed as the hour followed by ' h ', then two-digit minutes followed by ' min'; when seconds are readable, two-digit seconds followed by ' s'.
1 h 30 min 33 s
